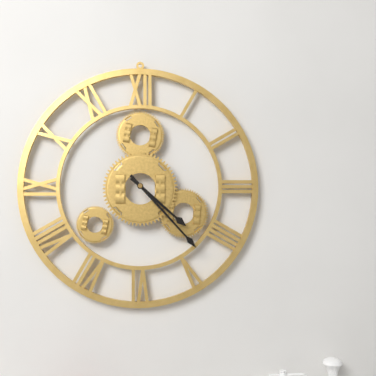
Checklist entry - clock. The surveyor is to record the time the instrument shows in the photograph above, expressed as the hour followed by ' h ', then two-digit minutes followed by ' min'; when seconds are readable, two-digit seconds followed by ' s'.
4 h 23 min
